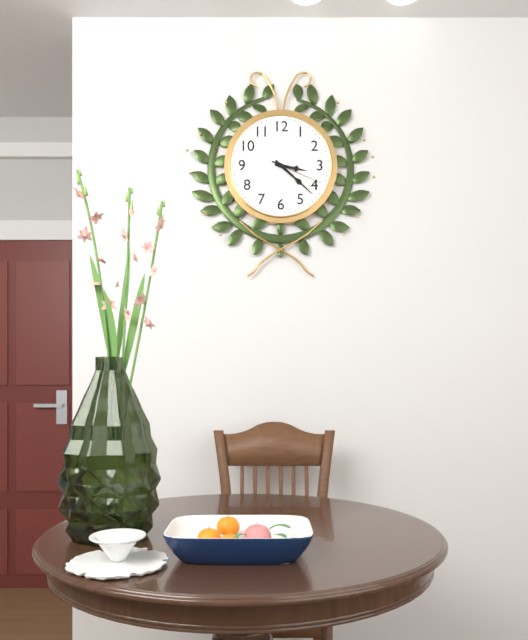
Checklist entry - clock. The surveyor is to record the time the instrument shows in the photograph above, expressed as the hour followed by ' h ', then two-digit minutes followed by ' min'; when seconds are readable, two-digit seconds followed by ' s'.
3 h 22 min 19 s
